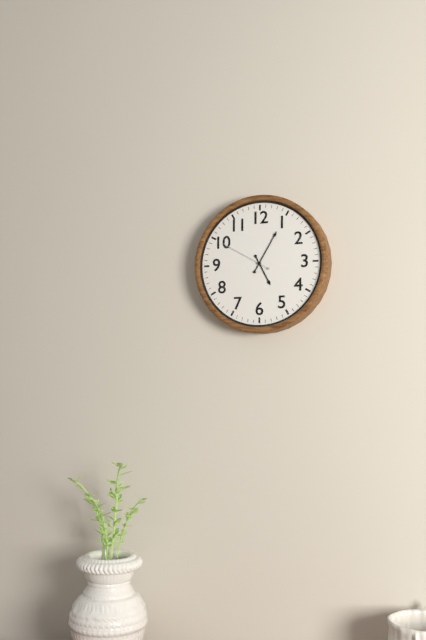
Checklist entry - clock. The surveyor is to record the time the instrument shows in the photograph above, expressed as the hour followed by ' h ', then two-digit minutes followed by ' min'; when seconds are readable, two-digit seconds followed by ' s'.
5 h 05 min 50 s
